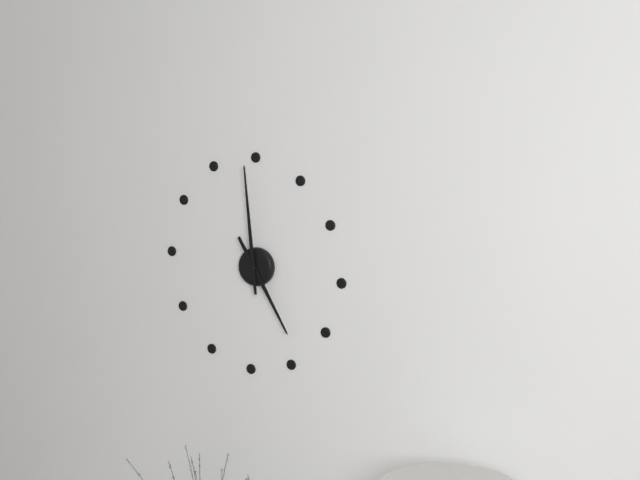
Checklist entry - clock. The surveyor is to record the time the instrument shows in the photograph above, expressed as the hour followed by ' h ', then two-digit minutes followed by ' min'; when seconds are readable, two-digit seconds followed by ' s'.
4 h 59 min
